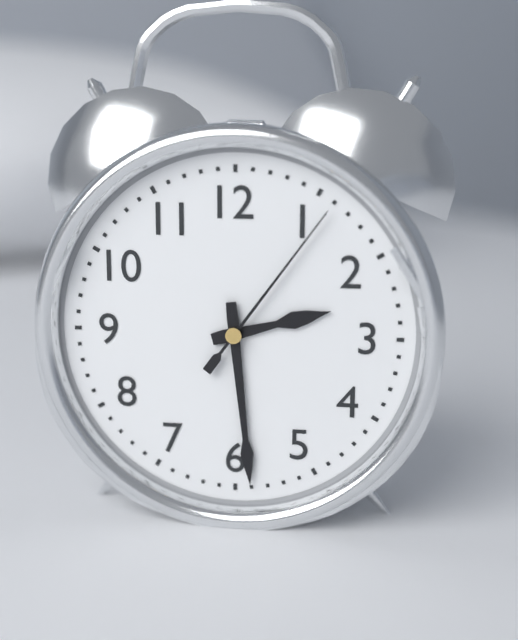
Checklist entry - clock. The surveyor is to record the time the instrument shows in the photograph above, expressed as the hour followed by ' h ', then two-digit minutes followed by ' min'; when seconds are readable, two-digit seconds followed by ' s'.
2 h 29 min 06 s
